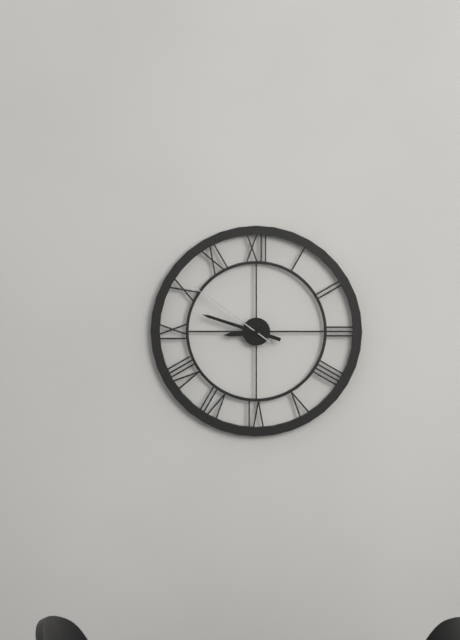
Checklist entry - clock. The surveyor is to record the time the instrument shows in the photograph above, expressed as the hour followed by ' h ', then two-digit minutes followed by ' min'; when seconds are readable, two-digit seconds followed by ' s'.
8 h 48 min 51 s
